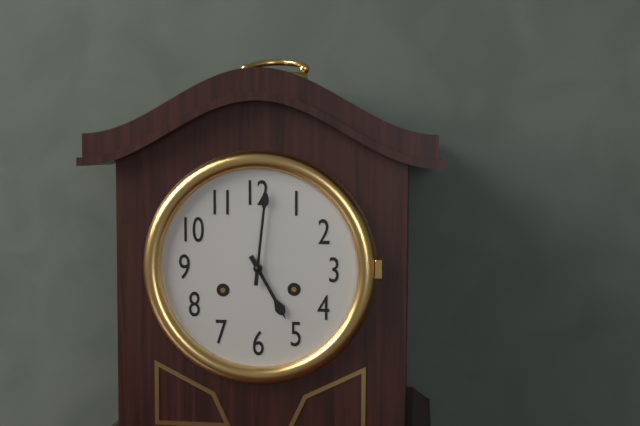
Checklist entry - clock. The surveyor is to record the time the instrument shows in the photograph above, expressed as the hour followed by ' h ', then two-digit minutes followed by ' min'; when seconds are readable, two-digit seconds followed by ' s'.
5 h 01 min
